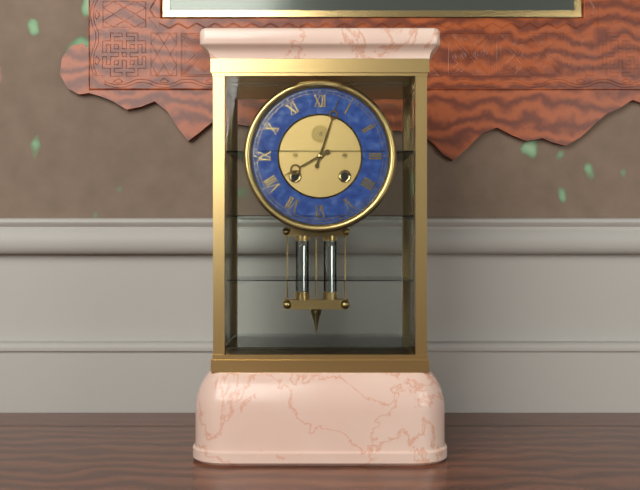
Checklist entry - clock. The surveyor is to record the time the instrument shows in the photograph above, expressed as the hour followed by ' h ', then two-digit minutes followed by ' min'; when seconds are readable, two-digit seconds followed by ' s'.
8 h 03 min
